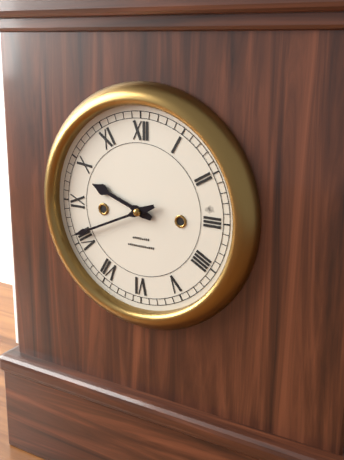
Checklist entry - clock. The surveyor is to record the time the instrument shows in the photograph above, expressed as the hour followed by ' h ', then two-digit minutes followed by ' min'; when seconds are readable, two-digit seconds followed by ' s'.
9 h 41 min
